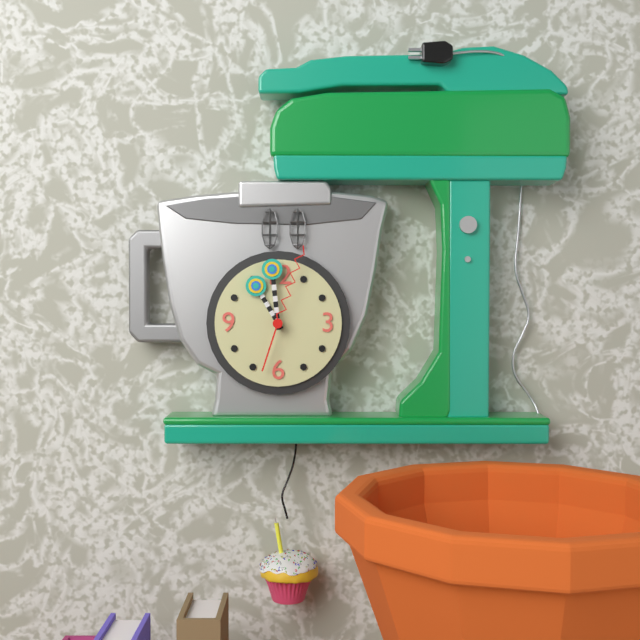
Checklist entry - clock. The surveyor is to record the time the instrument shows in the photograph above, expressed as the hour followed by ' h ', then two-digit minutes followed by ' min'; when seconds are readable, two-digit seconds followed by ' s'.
10 h 59 min 03 s
